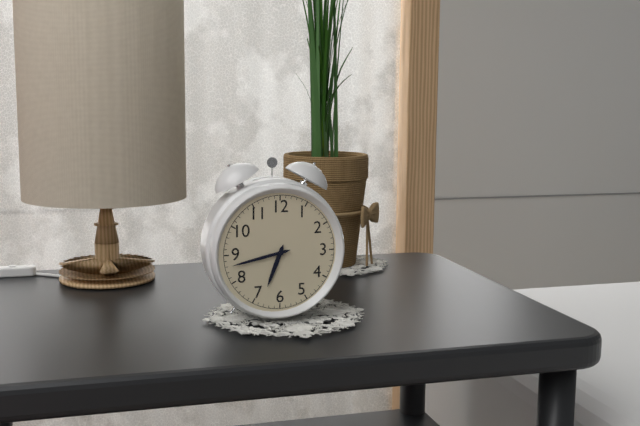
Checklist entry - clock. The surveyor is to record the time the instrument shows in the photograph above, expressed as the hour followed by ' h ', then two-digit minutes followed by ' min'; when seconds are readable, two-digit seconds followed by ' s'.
6 h 43 min
